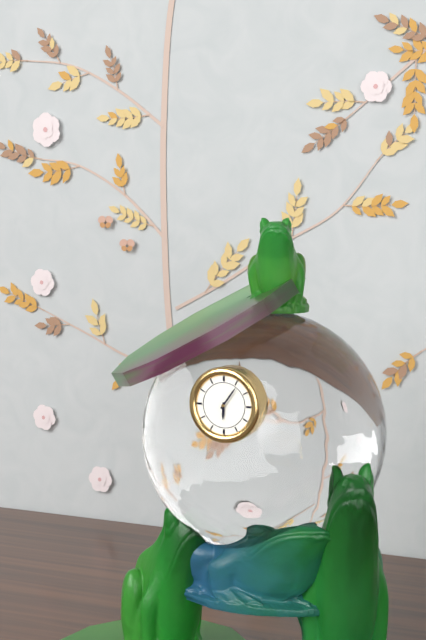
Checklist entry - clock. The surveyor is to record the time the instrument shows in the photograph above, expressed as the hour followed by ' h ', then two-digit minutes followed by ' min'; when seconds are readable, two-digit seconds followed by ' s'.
6 h 06 min
